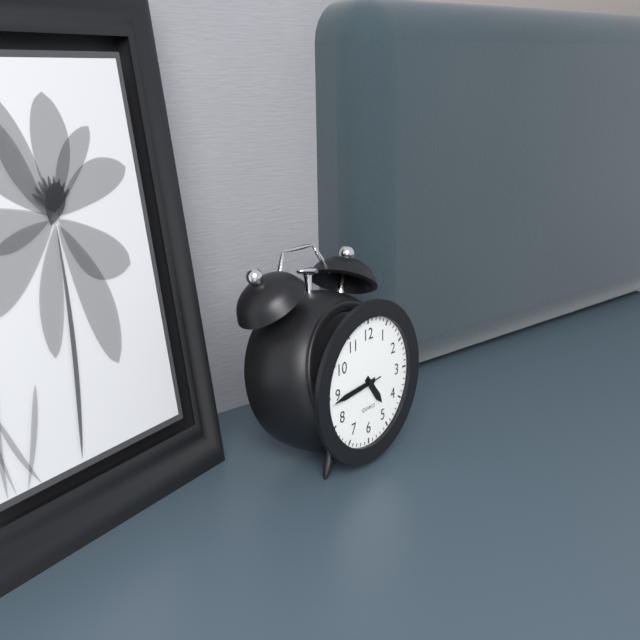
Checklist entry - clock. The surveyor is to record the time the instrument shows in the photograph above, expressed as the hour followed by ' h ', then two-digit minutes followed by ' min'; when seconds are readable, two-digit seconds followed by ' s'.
4 h 44 min 44 s
